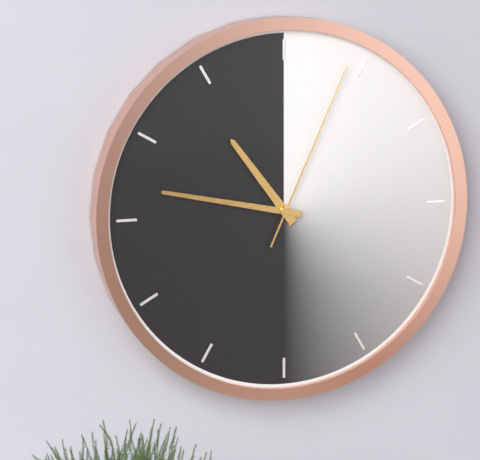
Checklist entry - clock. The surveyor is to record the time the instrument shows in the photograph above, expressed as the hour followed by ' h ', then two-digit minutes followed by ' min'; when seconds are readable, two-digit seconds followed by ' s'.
10 h 47 min 04 s
